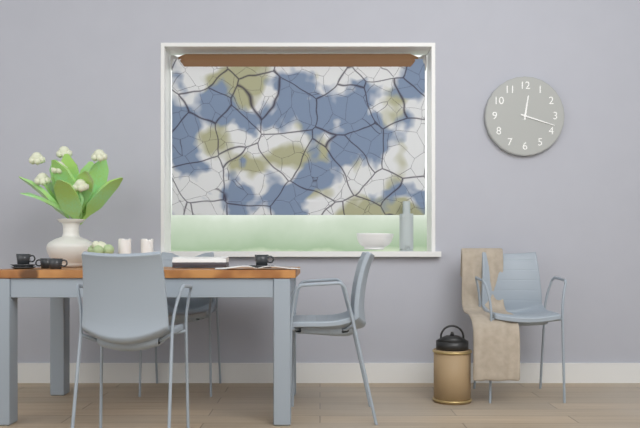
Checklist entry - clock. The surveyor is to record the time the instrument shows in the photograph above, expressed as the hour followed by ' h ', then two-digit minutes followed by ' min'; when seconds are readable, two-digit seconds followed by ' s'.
12 h 18 min
